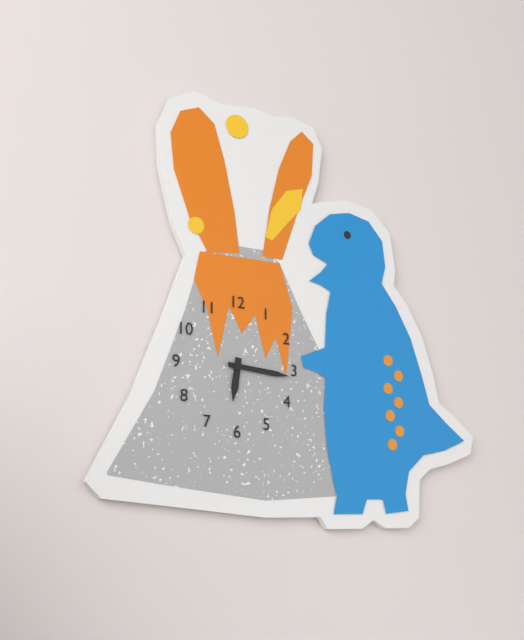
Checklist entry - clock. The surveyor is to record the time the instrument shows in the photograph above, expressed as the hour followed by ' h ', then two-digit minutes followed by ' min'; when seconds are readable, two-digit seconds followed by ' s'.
6 h 16 min
